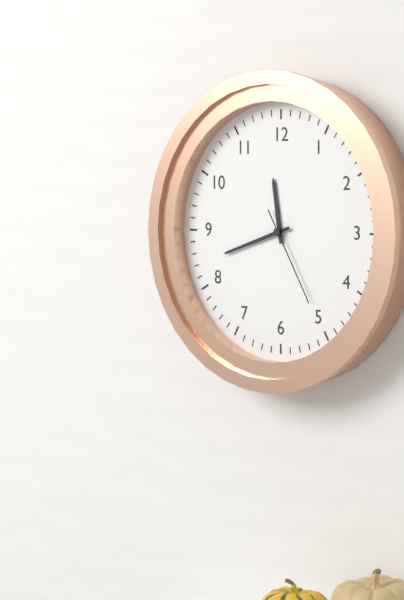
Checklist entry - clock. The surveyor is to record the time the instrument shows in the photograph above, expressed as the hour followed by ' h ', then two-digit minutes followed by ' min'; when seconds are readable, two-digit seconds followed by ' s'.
11 h 42 min 25 s
